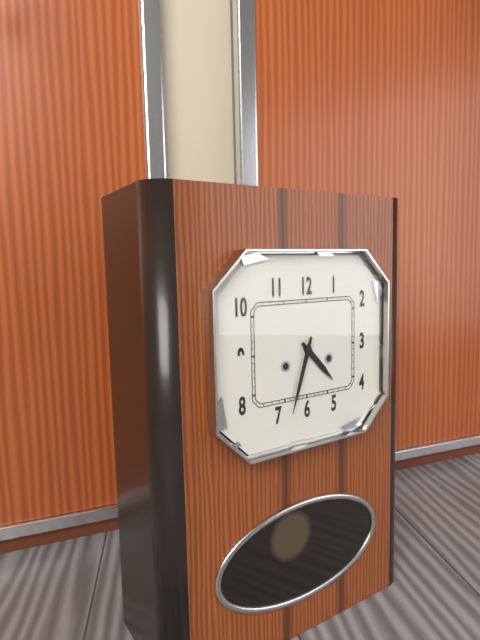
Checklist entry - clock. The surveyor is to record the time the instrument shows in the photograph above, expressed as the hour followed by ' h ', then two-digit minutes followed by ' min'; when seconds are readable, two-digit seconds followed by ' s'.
4 h 33 min
